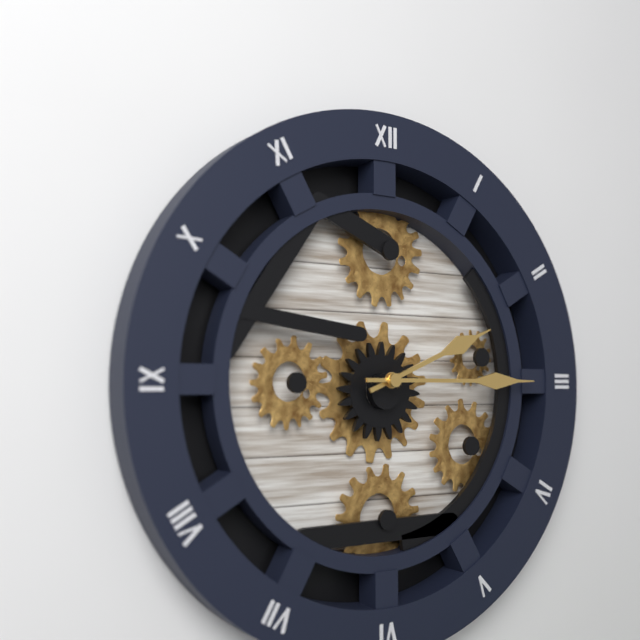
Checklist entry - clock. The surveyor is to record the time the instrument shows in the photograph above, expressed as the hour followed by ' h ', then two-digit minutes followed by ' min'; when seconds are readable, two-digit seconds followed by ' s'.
2 h 15 min
